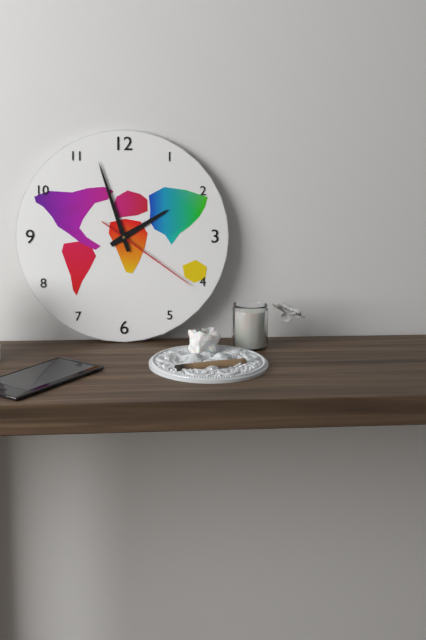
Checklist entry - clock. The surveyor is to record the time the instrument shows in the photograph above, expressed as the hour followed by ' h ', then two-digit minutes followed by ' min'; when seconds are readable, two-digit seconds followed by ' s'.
1 h 57 min 21 s
